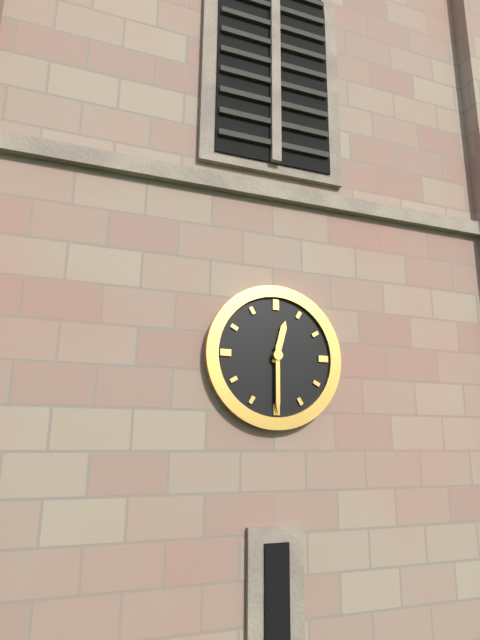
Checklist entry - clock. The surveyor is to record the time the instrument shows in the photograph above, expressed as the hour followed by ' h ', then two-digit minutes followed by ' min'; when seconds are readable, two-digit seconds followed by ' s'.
12 h 30 min
